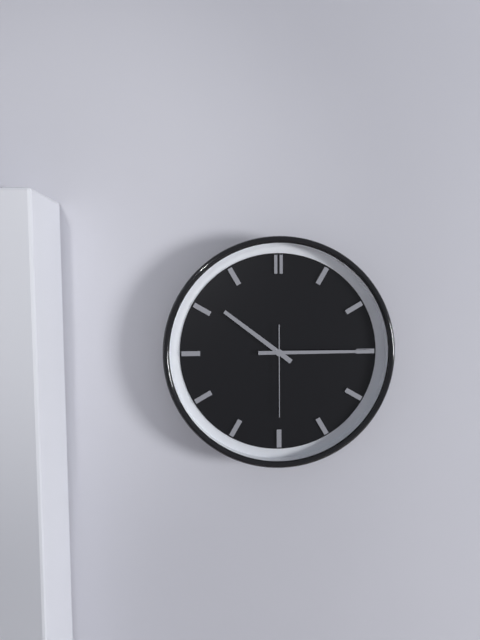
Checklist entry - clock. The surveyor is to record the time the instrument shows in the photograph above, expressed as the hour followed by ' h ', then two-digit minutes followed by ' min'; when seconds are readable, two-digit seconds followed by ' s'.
10 h 15 min 30 s
